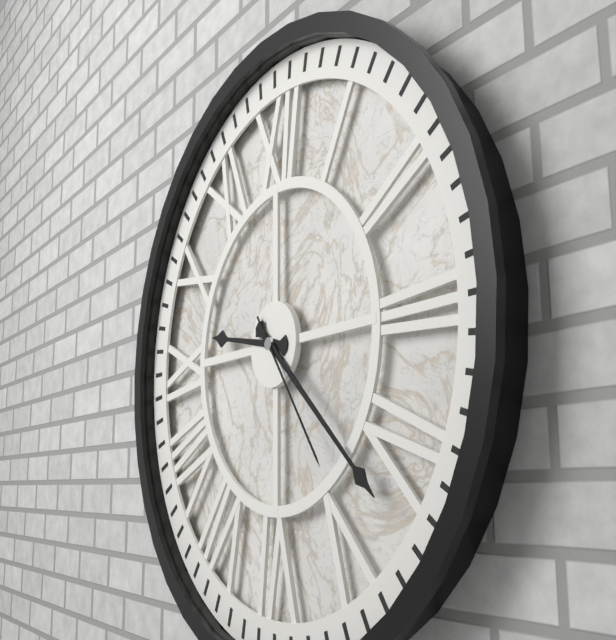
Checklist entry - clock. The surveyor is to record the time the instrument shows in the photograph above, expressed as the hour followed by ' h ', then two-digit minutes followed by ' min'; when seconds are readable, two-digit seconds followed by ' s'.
9 h 22 min 24 s
